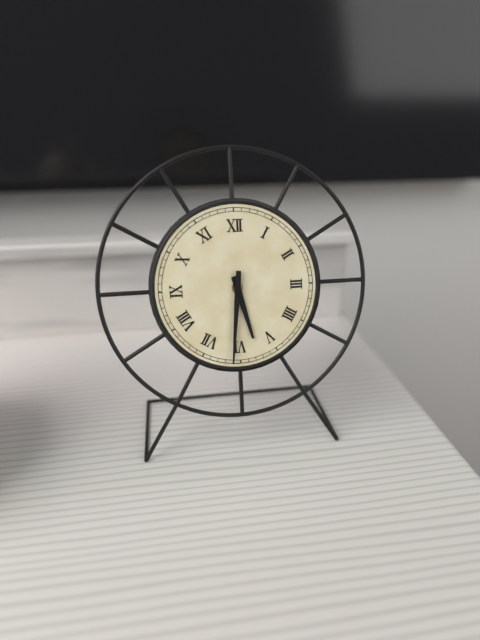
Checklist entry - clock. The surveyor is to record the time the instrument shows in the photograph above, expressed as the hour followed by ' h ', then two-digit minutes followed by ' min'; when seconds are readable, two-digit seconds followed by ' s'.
5 h 31 min
